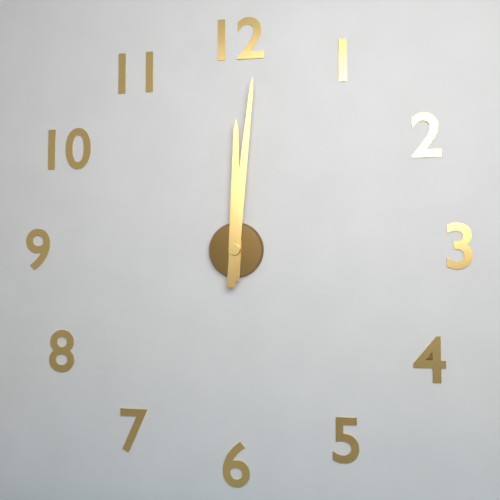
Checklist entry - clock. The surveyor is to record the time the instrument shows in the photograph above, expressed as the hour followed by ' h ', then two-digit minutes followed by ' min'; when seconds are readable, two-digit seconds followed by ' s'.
12 h 01 min
